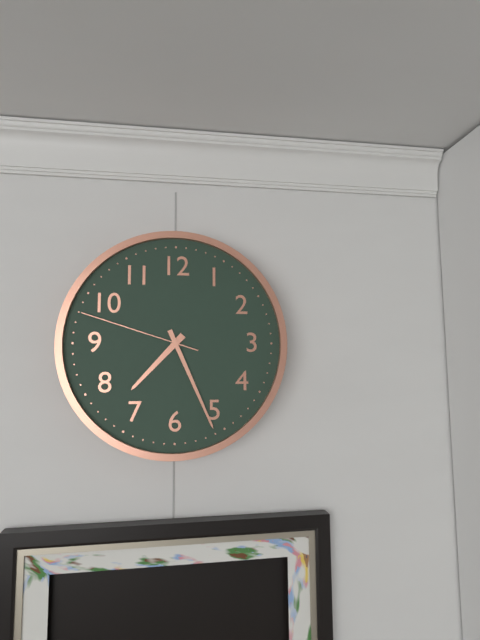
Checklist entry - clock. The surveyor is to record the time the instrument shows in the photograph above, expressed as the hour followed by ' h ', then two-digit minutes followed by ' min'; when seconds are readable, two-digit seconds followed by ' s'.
7 h 26 min 48 s
